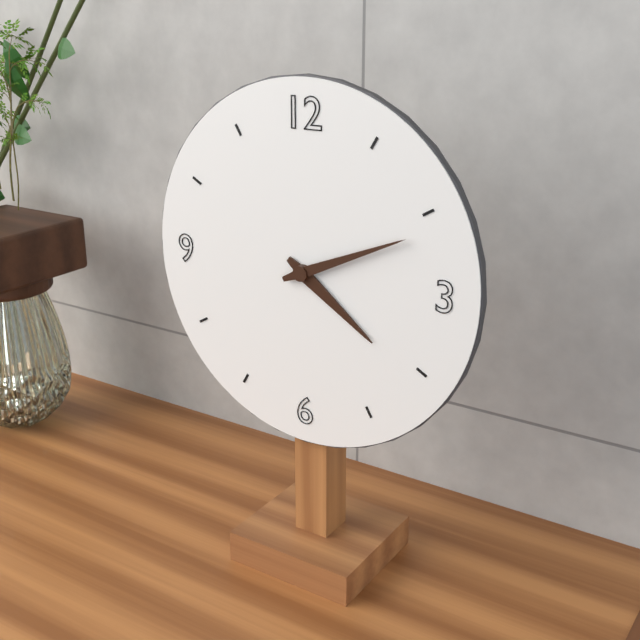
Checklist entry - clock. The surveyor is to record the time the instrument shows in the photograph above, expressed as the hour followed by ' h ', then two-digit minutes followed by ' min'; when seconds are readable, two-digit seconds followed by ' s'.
4 h 11 min
